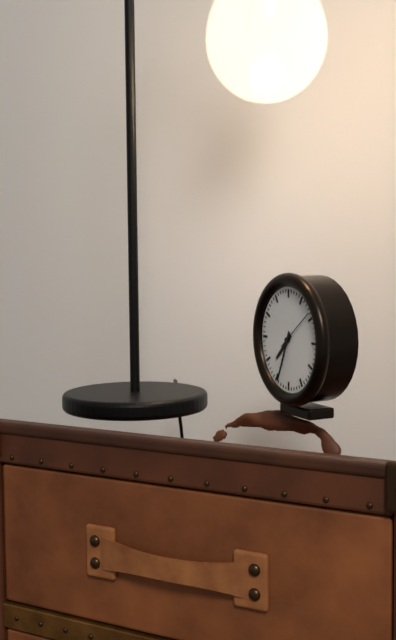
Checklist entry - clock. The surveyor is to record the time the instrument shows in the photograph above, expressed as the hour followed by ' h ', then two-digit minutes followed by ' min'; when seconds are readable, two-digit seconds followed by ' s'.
7 h 34 min
